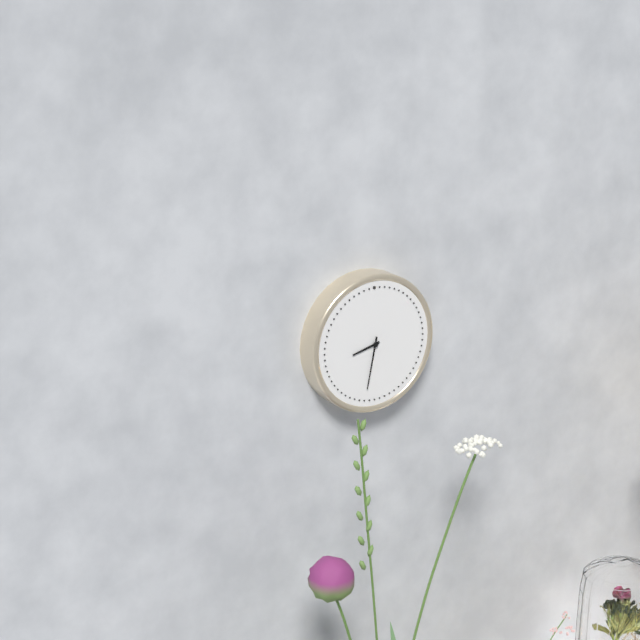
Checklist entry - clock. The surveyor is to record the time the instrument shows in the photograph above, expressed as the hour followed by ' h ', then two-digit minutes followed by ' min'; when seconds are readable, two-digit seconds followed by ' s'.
8 h 32 min
